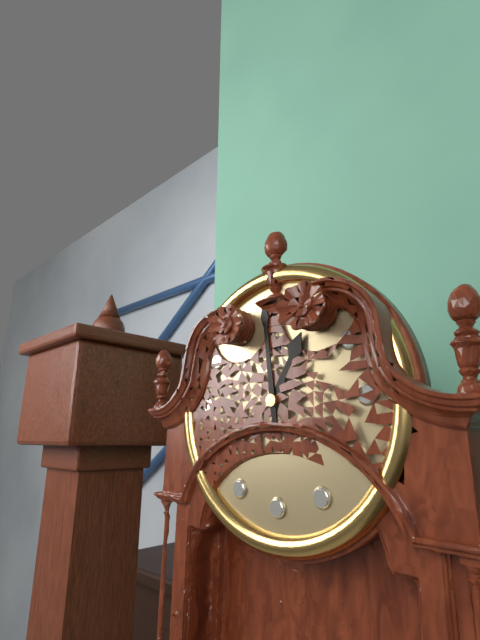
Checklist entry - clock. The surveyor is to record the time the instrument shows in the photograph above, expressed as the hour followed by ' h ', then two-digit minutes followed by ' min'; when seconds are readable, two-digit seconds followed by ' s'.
12 h 59 min
